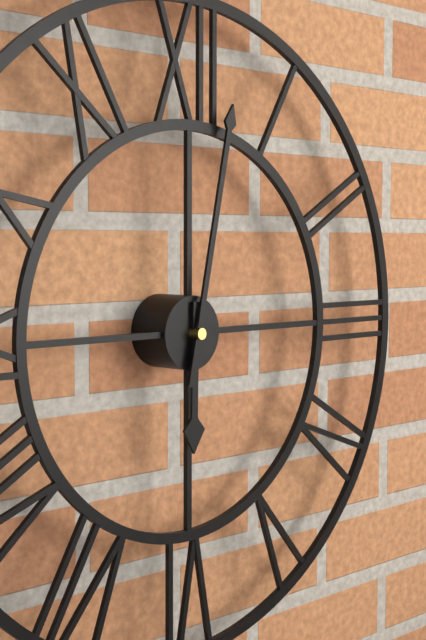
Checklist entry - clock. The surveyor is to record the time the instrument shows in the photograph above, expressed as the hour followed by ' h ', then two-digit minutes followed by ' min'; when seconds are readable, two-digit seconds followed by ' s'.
6 h 02 min
